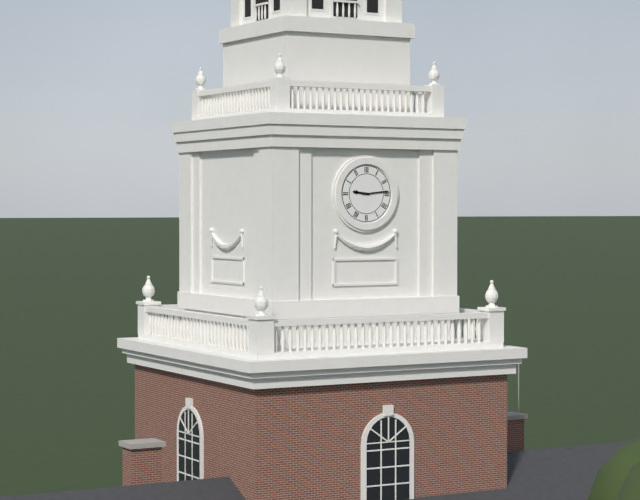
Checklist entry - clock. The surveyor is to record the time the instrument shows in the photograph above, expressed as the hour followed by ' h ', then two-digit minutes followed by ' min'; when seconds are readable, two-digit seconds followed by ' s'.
9 h 14 min
